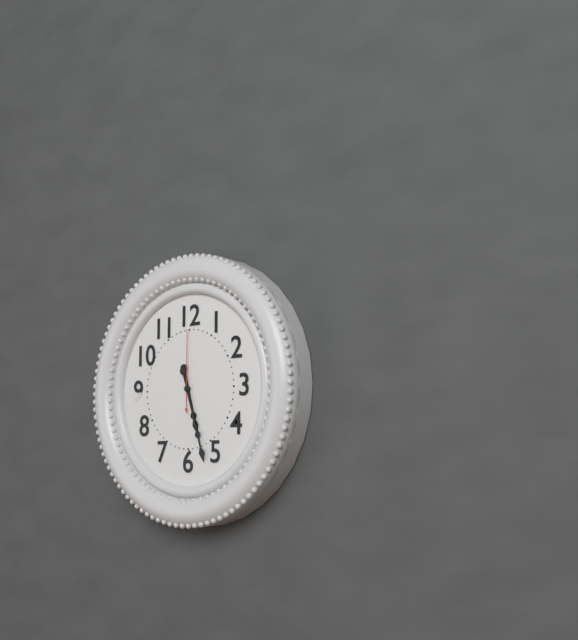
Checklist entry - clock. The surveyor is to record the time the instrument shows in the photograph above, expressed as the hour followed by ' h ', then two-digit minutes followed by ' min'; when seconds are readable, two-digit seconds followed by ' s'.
5 h 27 min 00 s
